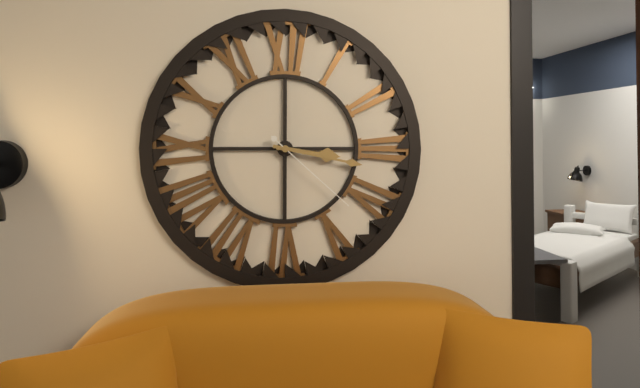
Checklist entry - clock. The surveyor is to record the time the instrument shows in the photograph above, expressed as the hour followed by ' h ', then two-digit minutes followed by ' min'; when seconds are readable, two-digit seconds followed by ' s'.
3 h 17 min 22 s
